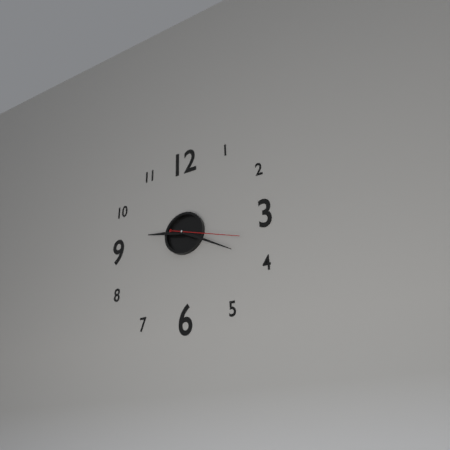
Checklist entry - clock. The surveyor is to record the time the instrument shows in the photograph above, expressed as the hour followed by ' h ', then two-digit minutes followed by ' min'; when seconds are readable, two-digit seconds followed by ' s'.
9 h 20 min 18 s
